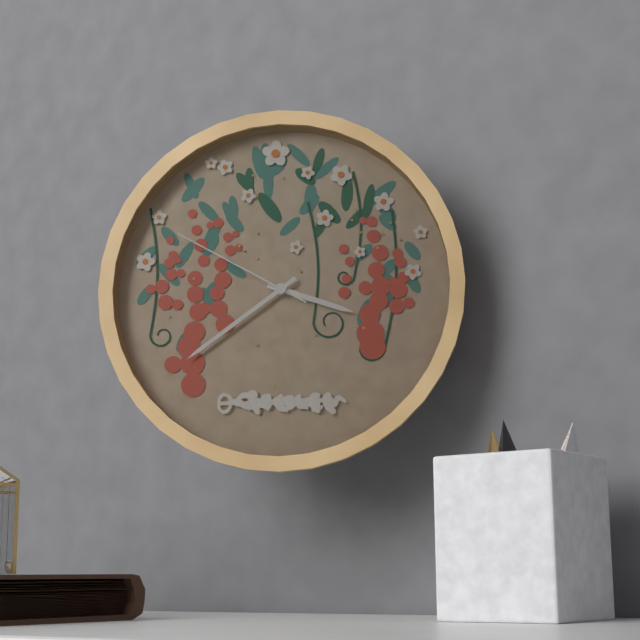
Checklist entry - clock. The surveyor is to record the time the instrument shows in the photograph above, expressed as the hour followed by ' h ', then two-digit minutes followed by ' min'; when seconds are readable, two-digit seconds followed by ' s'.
3 h 39 min 50 s
